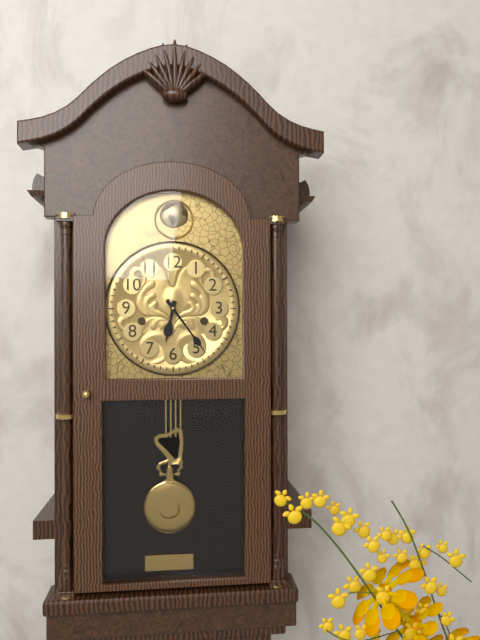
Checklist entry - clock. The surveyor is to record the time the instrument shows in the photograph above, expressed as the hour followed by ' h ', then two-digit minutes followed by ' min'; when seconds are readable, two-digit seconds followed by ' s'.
6 h 24 min
